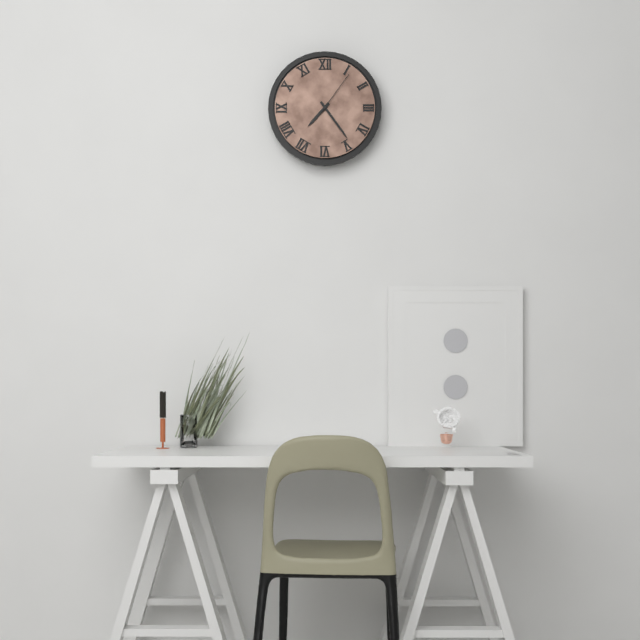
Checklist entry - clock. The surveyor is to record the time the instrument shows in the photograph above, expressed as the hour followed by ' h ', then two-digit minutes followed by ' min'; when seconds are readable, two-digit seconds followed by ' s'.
7 h 24 min 06 s
